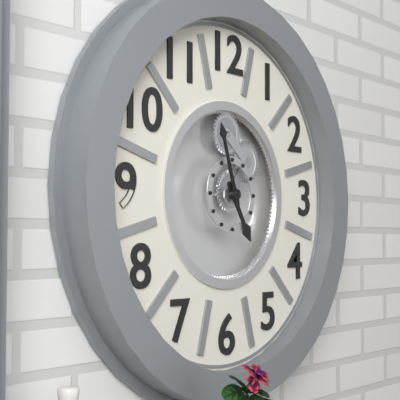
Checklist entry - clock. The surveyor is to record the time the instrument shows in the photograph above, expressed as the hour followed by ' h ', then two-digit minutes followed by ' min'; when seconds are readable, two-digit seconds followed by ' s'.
4 h 57 min
